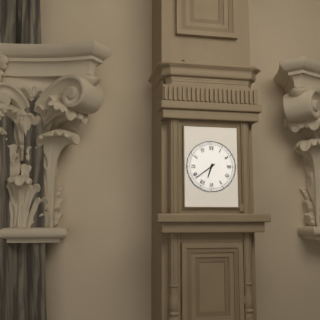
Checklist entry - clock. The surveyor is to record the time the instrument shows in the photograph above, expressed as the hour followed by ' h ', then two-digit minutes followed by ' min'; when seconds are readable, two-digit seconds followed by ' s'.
6 h 39 min
